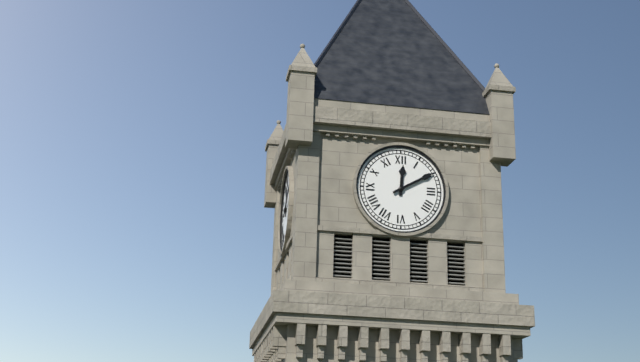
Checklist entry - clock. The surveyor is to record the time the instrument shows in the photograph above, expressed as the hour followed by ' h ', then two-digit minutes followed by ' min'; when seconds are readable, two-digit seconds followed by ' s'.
12 h 10 min
